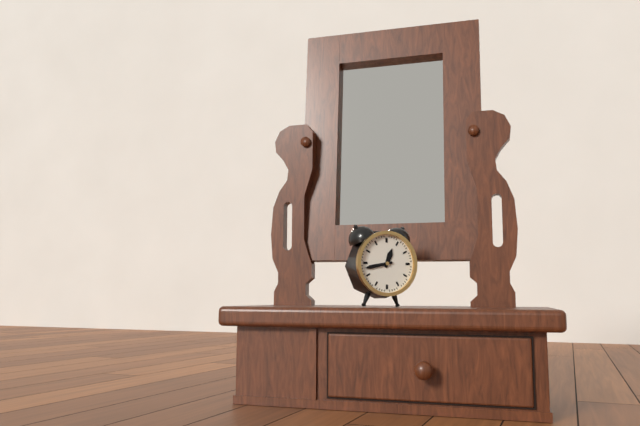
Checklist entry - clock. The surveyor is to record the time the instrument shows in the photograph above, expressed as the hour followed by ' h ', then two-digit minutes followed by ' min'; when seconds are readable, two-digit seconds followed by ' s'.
12 h 43 min
